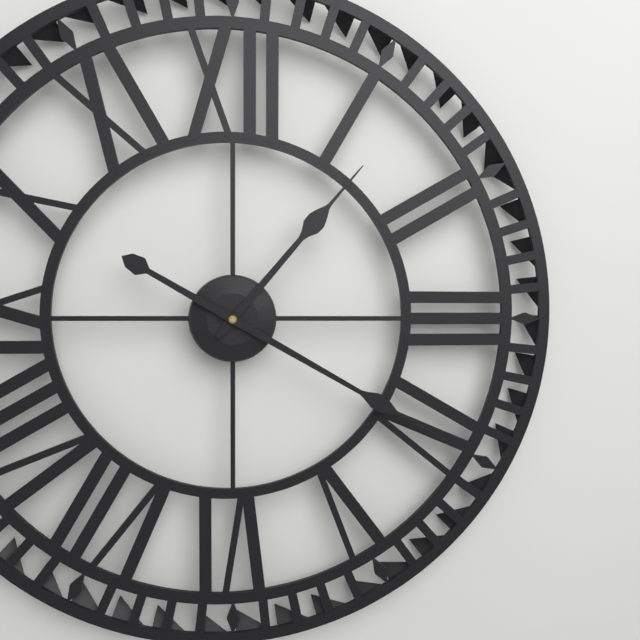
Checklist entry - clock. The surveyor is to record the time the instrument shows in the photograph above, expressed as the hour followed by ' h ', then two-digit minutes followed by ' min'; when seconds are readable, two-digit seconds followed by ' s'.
1 h 20 min
